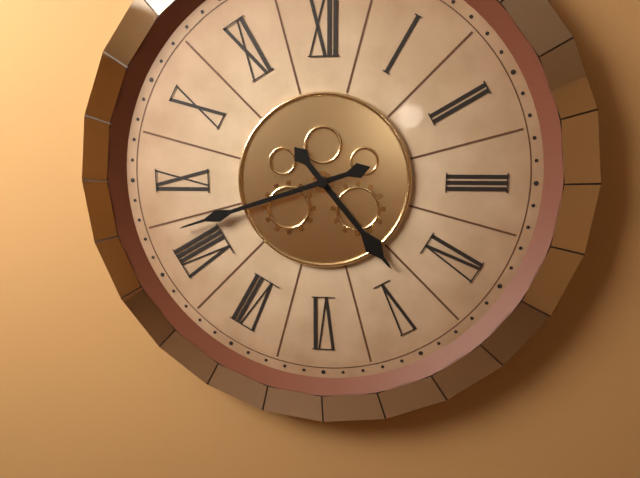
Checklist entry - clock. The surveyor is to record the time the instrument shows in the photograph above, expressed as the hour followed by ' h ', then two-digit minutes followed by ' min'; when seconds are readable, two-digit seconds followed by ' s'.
4 h 42 min
